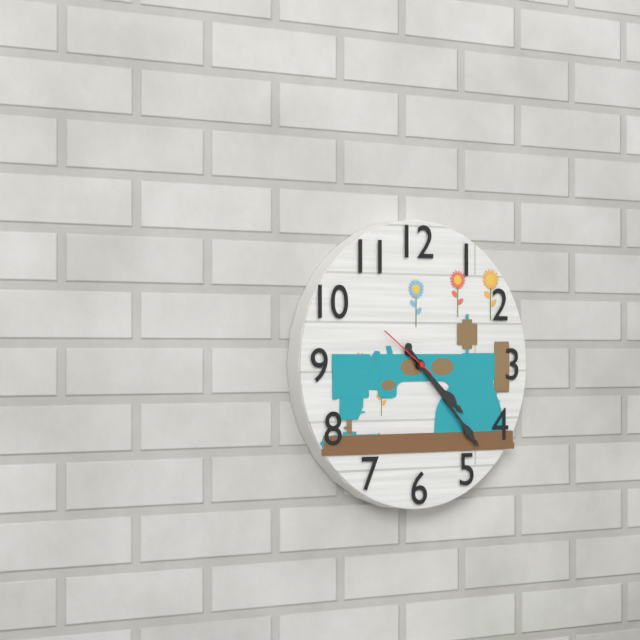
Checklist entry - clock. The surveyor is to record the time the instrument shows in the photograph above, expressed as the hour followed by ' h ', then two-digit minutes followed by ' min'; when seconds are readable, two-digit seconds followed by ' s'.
4 h 23 min
